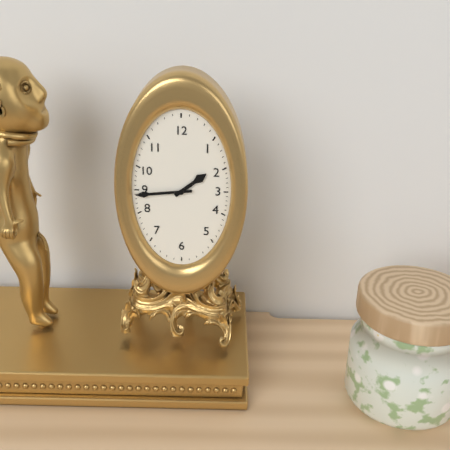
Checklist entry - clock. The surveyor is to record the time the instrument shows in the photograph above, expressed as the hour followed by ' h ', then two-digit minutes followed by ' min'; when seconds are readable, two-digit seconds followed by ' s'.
1 h 44 min
